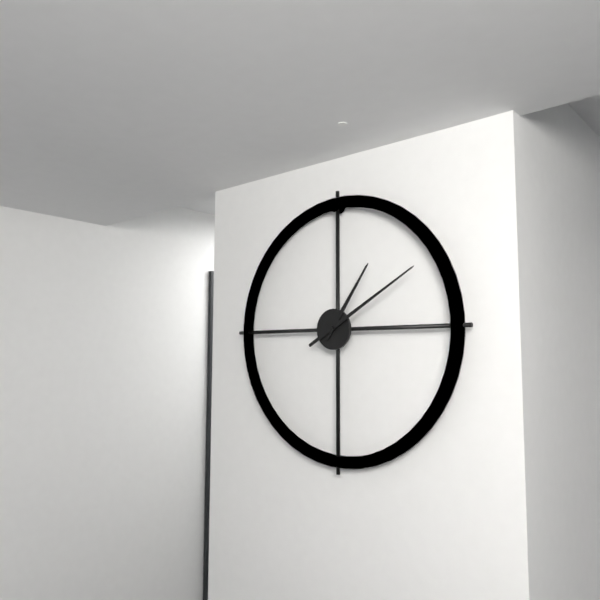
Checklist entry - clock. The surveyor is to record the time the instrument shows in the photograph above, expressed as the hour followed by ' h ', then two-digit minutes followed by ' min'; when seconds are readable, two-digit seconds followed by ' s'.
1 h 10 min
